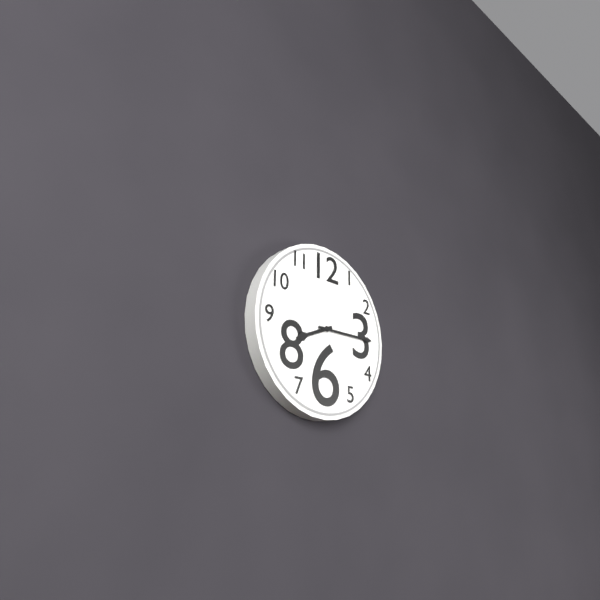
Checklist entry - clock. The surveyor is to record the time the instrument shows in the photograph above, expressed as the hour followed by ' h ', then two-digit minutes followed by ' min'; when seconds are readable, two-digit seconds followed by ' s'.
8 h 15 min
